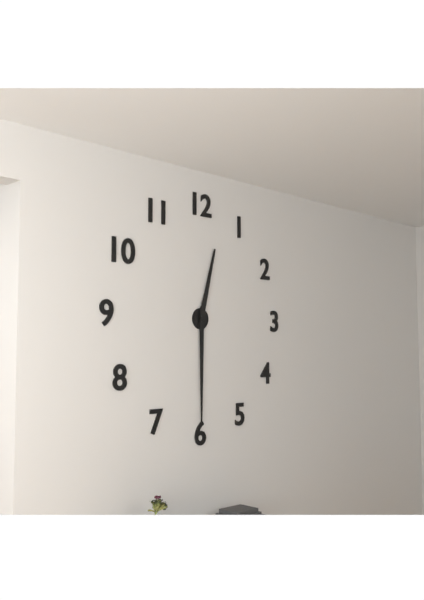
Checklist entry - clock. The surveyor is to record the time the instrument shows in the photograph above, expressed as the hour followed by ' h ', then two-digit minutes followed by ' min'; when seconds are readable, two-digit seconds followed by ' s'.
12 h 30 min
